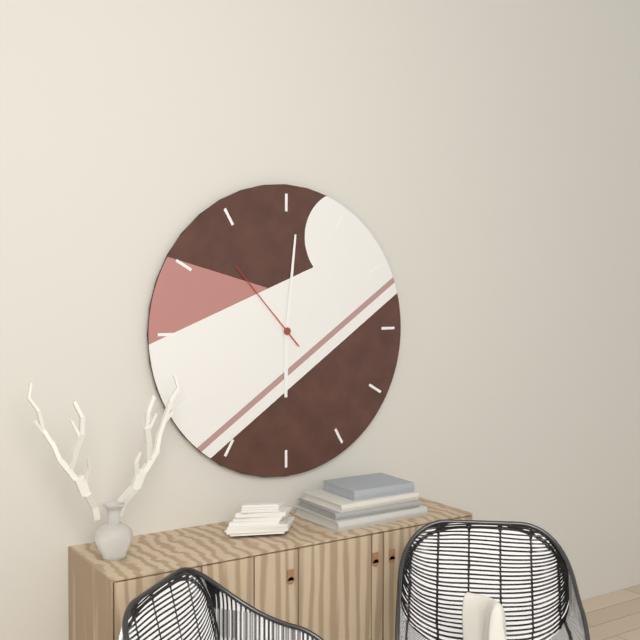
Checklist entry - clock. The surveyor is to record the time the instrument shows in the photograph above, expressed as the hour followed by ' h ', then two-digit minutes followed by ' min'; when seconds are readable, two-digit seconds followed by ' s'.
6 h 01 min 53 s
